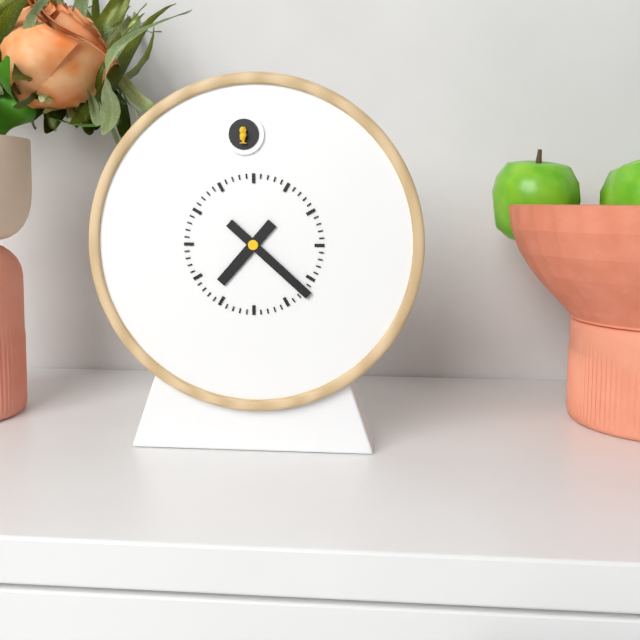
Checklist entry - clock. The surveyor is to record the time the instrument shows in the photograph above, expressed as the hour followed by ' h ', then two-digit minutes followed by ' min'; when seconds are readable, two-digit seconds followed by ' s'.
7 h 22 min
